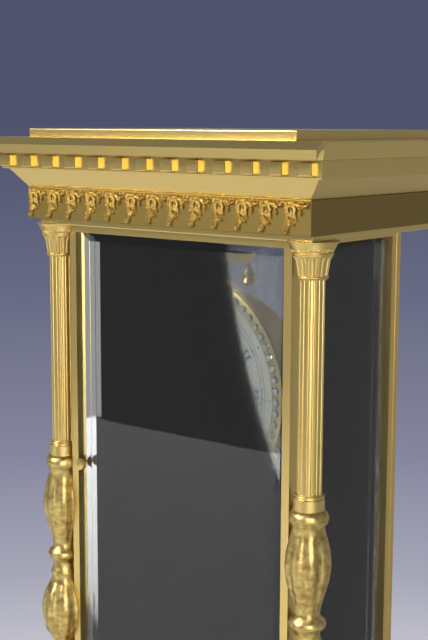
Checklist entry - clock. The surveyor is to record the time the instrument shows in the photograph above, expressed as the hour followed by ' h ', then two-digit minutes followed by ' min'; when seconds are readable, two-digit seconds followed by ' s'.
6 h 22 min
